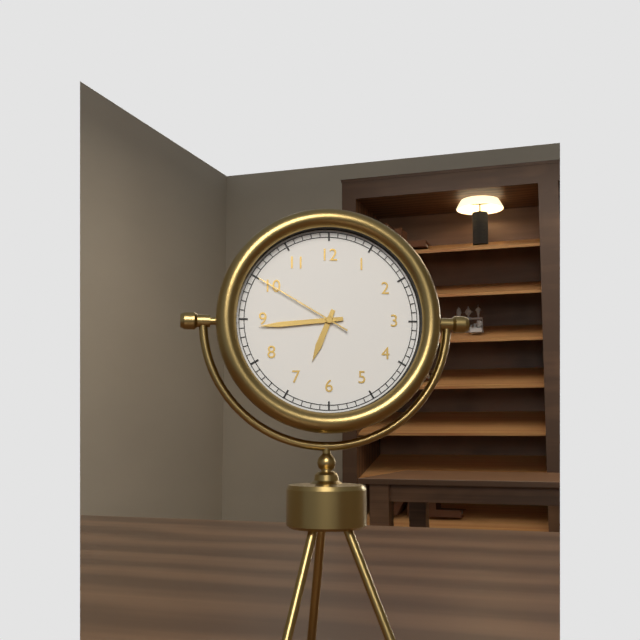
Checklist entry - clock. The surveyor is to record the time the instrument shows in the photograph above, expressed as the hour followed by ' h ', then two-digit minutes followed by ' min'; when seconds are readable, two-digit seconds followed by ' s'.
6 h 44 min 50 s
